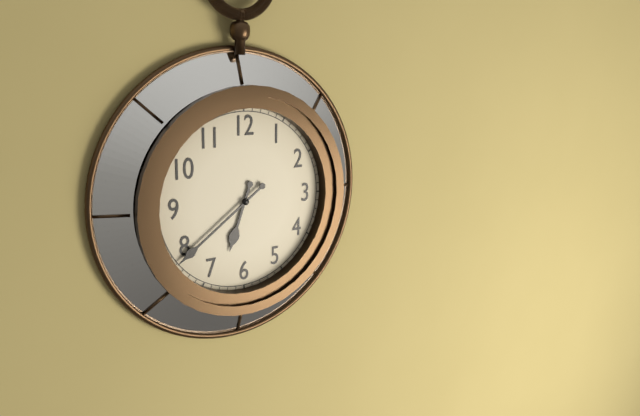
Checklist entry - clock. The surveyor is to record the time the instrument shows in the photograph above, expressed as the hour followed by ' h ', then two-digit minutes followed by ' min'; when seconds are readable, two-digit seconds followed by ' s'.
6 h 39 min
